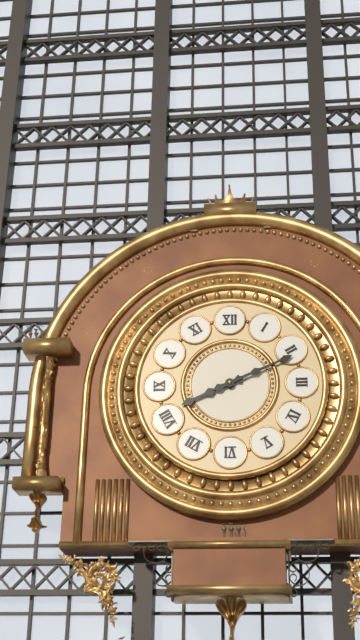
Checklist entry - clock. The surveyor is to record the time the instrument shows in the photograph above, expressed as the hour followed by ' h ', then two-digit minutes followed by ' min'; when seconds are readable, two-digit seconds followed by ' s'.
8 h 11 min
